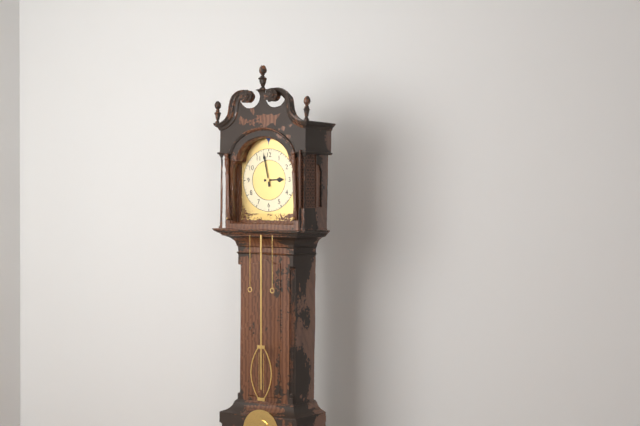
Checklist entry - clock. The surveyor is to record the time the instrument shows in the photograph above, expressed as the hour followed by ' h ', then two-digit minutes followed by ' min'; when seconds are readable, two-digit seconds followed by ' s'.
2 h 58 min
